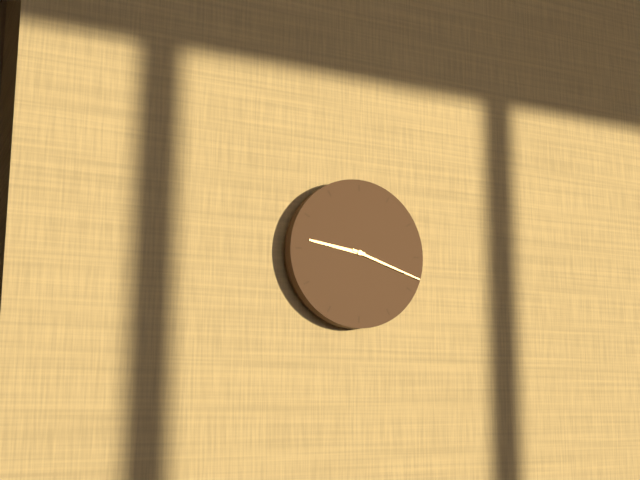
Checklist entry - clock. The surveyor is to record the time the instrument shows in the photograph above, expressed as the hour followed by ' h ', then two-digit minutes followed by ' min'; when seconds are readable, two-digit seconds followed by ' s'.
9 h 18 min
